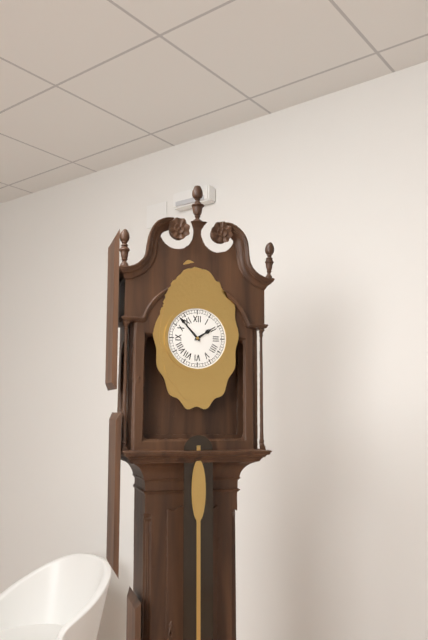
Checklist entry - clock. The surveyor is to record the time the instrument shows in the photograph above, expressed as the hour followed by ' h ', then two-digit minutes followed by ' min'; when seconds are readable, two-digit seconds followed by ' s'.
1 h 53 min
